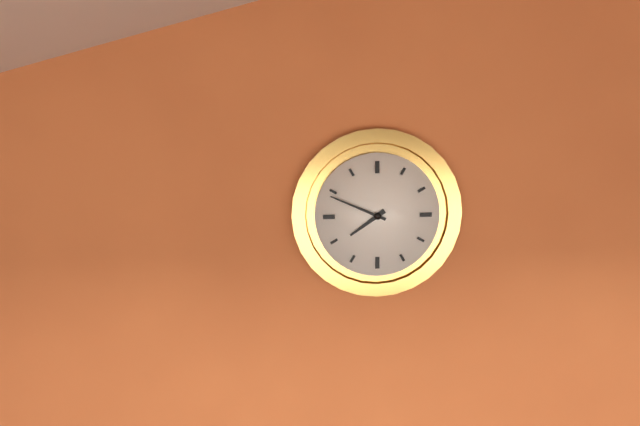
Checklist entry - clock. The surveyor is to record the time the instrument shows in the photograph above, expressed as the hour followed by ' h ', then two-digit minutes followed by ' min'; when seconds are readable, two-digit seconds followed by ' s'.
7 h 49 min
